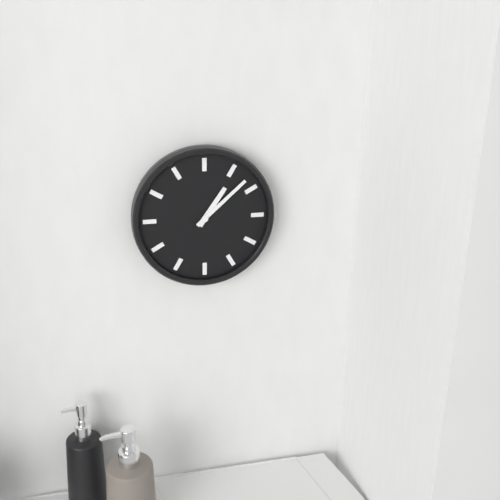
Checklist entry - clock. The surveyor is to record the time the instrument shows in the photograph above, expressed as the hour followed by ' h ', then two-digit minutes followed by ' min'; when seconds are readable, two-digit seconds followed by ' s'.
1 h 08 min
